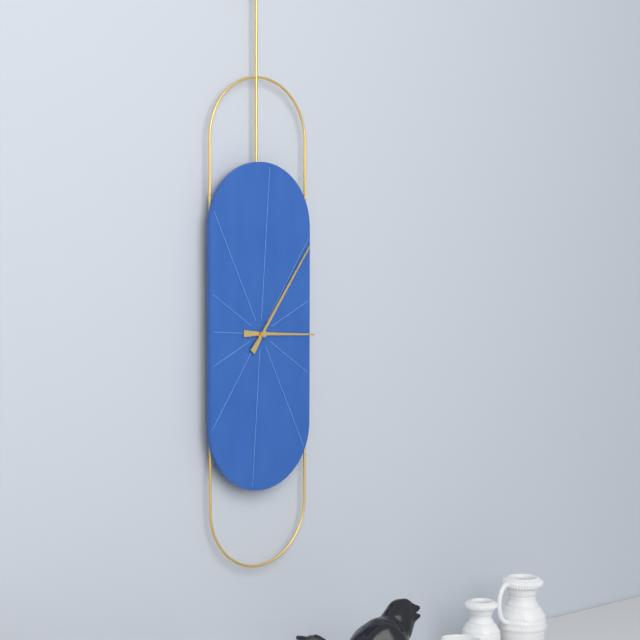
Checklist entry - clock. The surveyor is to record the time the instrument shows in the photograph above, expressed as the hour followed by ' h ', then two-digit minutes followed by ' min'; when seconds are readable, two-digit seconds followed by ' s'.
3 h 06 min
